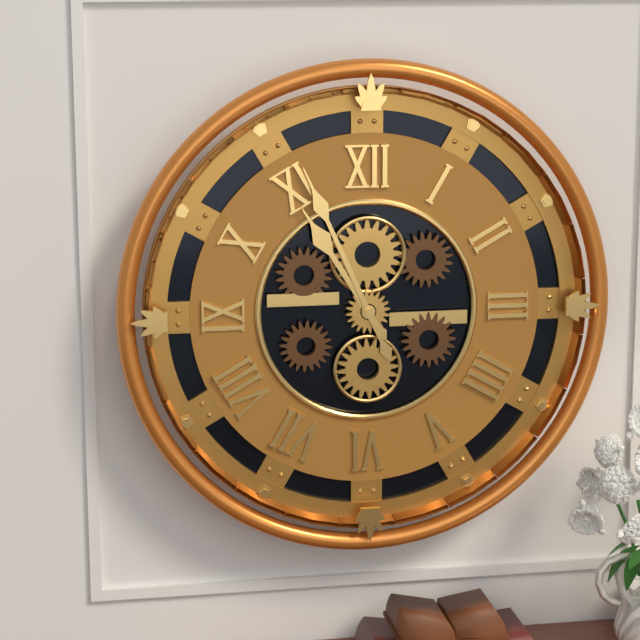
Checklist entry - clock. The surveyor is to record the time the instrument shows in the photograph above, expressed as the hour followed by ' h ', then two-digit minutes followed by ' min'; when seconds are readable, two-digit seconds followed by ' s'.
10 h 56 min
